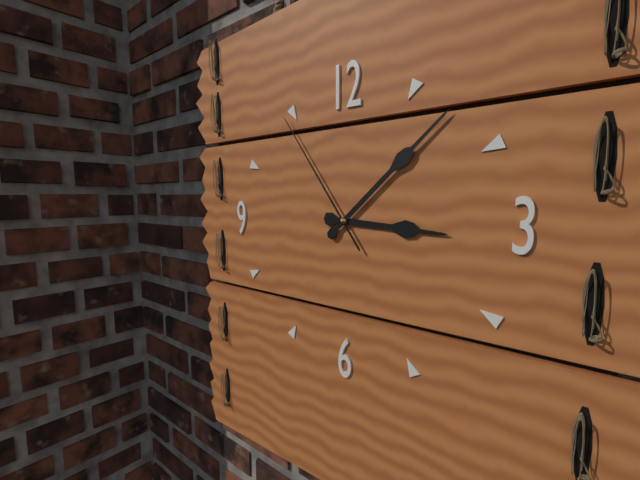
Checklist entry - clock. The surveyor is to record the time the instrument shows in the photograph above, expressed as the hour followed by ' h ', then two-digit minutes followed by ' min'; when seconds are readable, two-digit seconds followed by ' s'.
3 h 08 min 54 s
